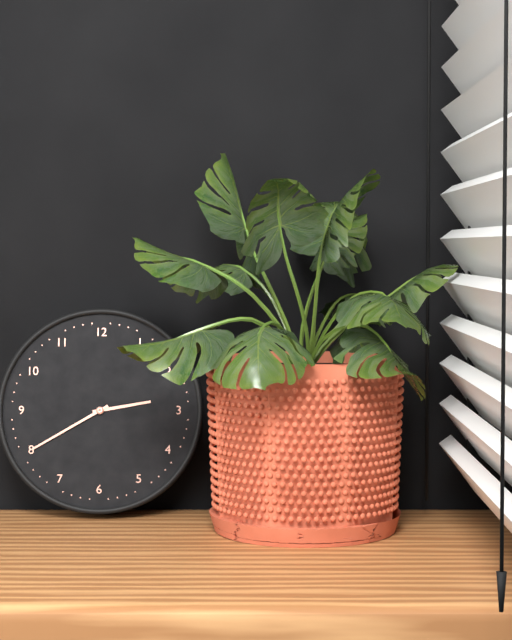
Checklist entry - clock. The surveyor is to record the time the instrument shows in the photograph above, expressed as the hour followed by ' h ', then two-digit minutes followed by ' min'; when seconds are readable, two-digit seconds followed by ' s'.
2 h 40 min
